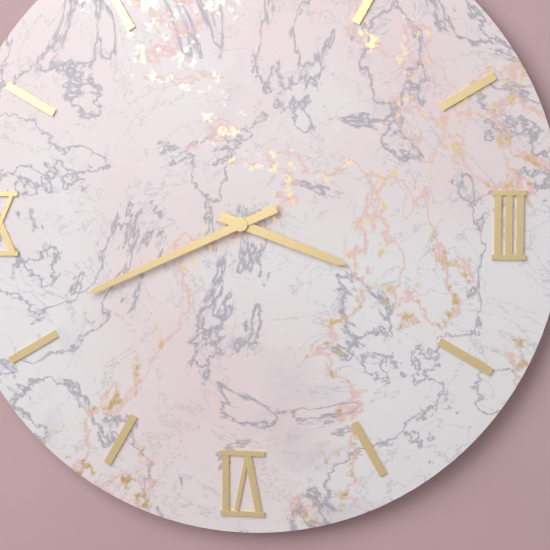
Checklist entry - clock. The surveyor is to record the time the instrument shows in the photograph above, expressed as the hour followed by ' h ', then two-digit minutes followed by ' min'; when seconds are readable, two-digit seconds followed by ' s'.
3 h 41 min
